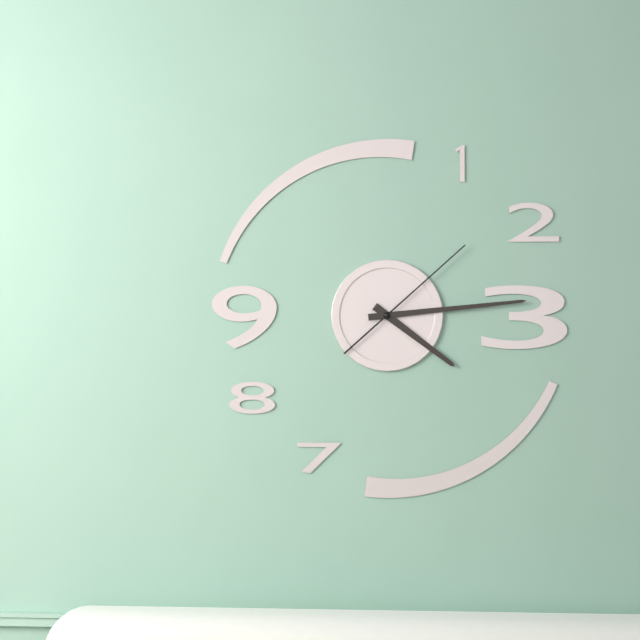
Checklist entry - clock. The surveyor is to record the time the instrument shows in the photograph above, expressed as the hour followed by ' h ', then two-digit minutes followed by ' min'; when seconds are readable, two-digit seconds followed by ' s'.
4 h 14 min 08 s
